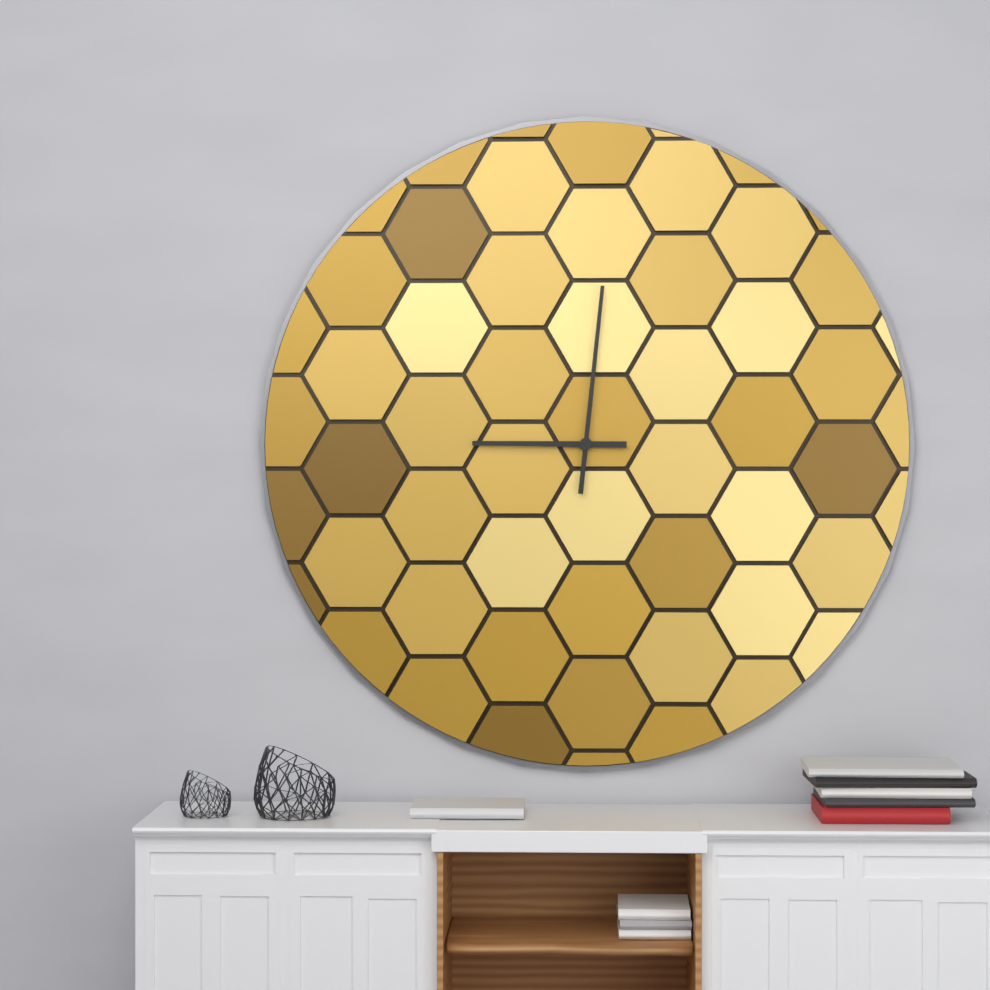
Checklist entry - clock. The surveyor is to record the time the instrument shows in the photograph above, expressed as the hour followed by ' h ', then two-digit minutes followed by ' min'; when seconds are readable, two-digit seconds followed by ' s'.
9 h 01 min
